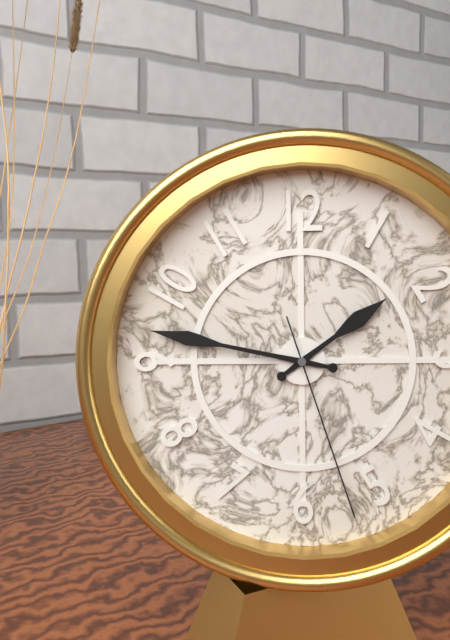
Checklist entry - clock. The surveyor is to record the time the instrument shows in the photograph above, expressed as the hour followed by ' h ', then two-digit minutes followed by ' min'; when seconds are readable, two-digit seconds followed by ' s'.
1 h 47 min 27 s
